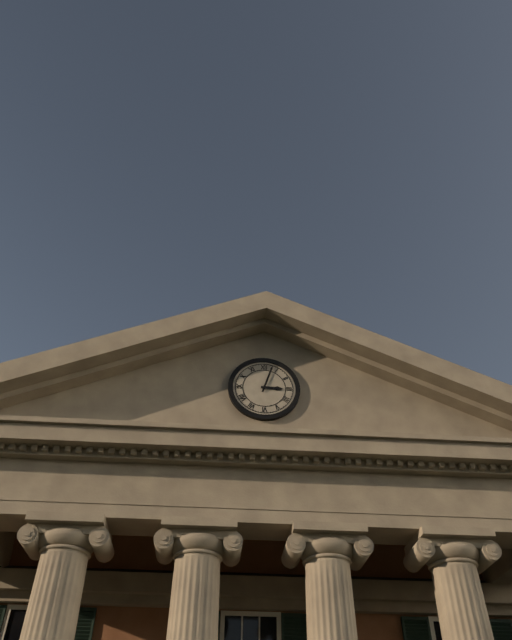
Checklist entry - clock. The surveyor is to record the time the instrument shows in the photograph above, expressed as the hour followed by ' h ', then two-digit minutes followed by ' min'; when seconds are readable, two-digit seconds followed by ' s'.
3 h 03 min
